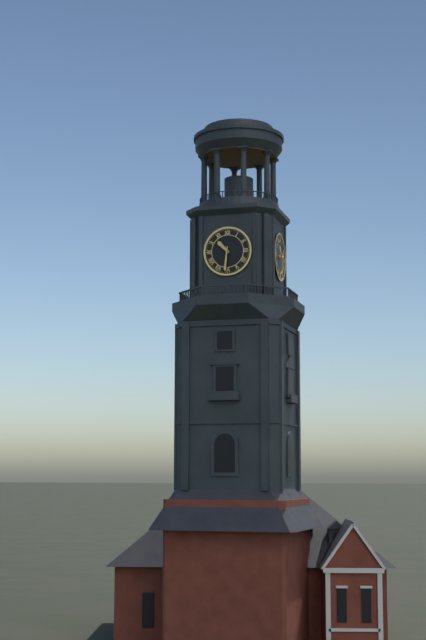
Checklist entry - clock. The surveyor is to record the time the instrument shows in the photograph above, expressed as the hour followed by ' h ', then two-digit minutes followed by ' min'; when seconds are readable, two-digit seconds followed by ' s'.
10 h 31 min
